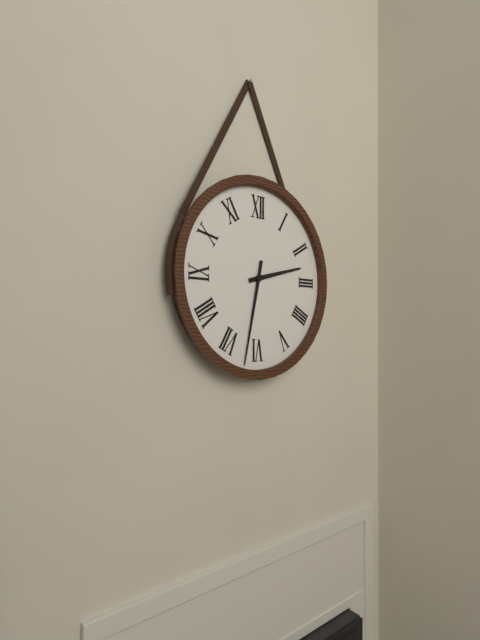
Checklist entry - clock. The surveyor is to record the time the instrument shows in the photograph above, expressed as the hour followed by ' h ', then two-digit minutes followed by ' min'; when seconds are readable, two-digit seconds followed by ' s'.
2 h 32 min
